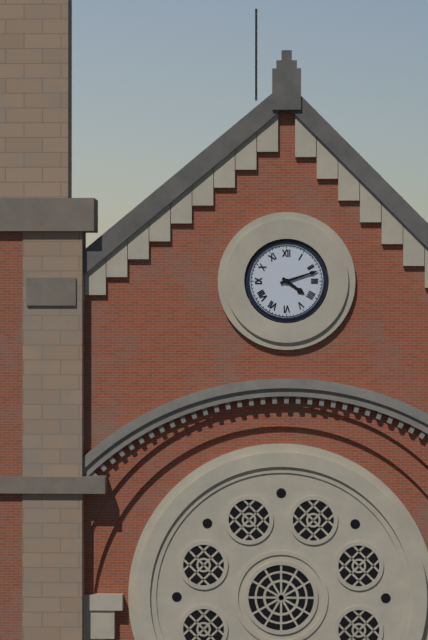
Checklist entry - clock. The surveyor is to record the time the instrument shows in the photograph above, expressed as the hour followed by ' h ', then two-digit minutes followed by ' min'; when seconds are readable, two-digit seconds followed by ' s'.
4 h 12 min
